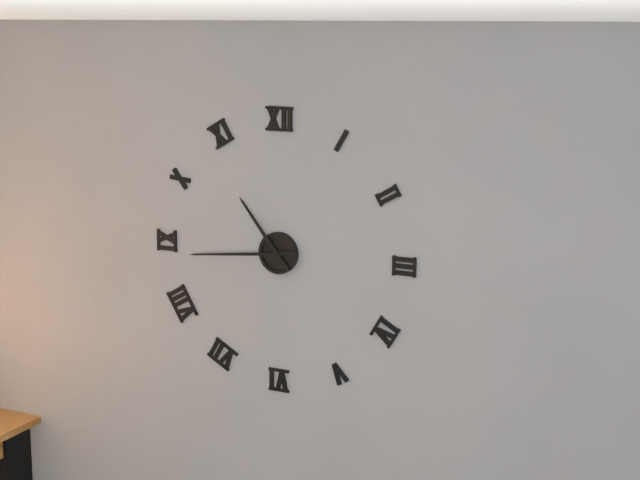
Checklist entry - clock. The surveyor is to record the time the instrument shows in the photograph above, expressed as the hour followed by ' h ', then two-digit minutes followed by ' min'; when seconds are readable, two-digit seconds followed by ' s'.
10 h 44 min
